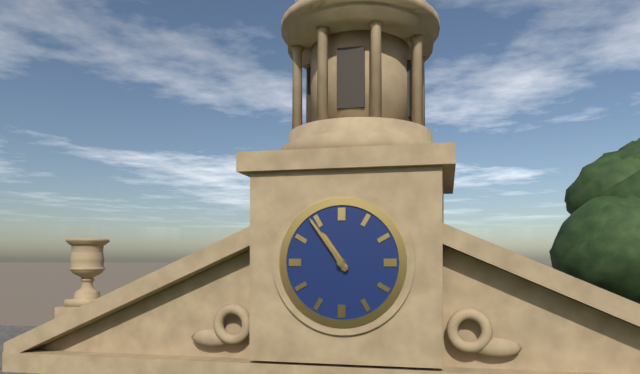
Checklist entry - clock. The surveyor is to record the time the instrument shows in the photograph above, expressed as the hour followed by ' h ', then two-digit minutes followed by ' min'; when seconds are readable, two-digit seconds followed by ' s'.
10 h 54 min
